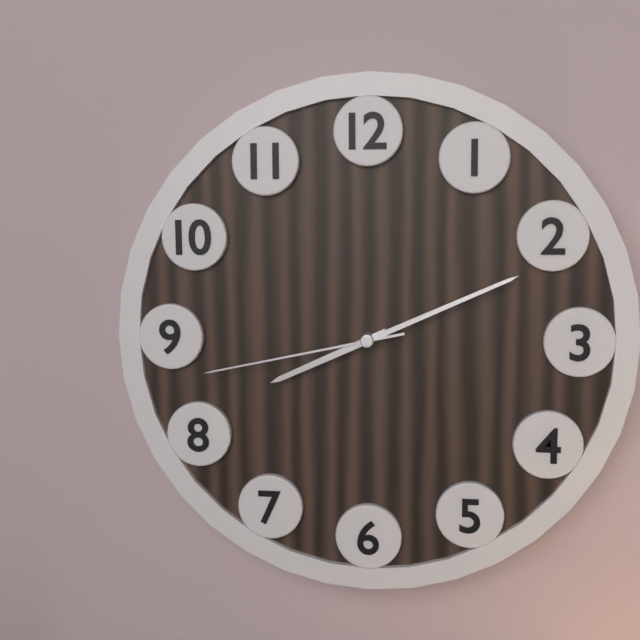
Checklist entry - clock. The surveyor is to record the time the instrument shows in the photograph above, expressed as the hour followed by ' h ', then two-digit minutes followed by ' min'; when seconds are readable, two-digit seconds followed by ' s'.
8 h 11 min 43 s
